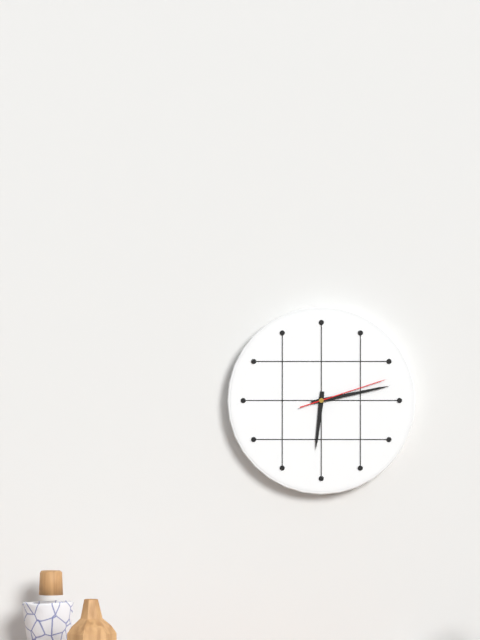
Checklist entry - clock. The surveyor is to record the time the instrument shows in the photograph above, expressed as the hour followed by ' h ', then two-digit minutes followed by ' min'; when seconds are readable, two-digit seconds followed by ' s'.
6 h 13 min 12 s
